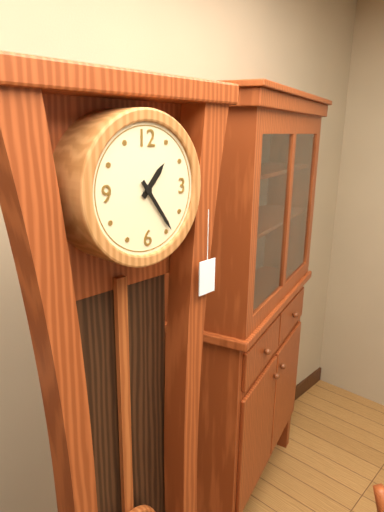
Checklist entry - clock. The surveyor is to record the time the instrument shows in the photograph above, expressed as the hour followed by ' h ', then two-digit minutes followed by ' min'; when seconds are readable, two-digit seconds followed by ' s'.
1 h 24 min
